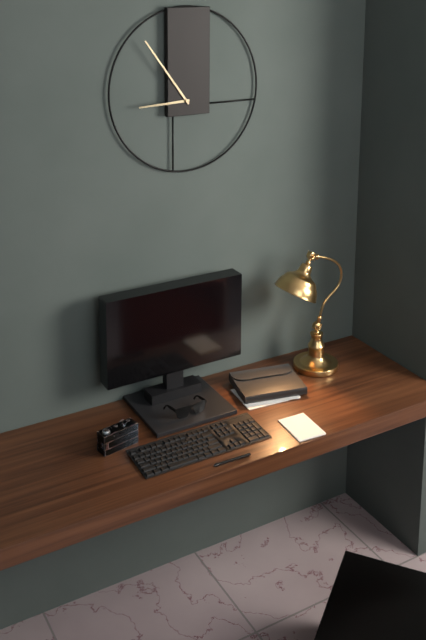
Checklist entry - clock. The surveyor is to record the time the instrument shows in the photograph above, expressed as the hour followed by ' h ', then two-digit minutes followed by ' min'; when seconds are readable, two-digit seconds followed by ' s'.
8 h 54 min
